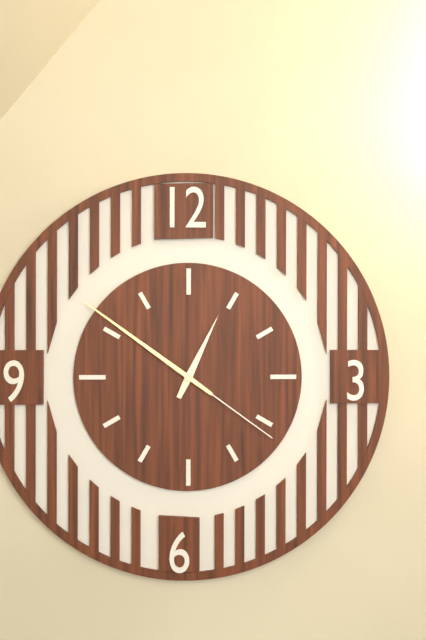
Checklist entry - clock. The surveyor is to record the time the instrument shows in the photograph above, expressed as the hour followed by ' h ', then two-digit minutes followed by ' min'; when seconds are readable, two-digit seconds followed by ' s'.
12 h 51 min 21 s
